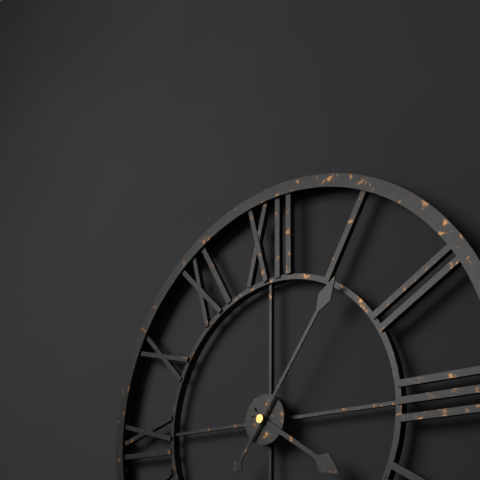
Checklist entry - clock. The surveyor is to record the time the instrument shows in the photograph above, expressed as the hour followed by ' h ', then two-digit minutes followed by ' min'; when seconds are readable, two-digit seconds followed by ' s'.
4 h 06 min
